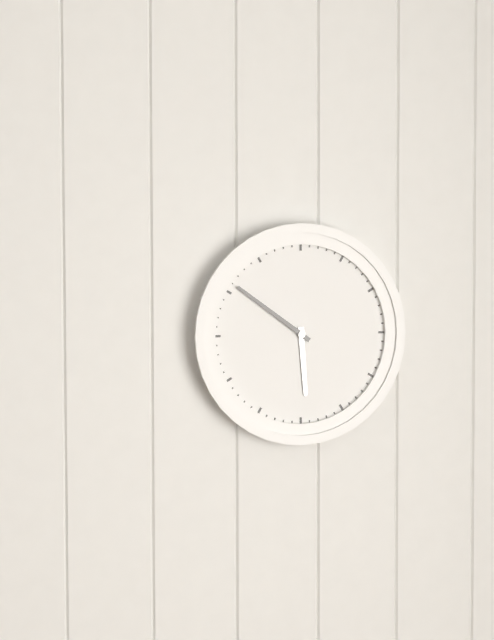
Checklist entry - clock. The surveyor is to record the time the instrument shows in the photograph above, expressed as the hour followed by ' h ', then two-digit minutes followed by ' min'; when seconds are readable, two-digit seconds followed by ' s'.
5 h 51 min
